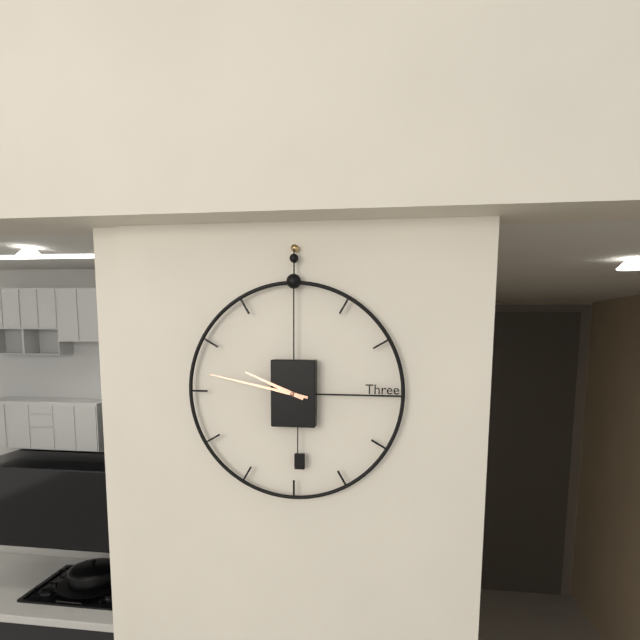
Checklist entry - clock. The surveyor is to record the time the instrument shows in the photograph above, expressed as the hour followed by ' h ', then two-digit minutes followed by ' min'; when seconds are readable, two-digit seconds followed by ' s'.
9 h 47 min
